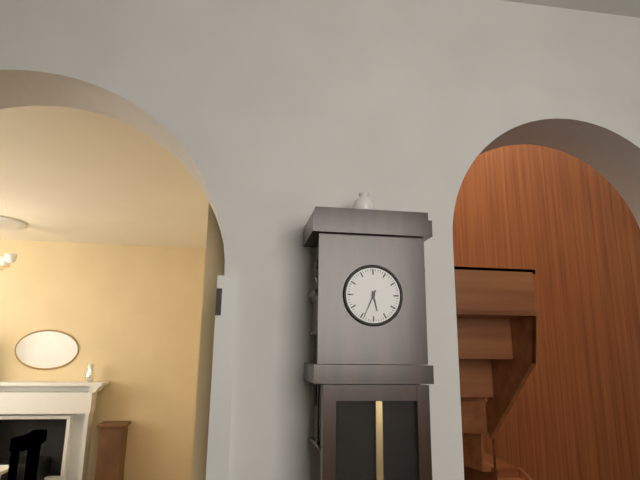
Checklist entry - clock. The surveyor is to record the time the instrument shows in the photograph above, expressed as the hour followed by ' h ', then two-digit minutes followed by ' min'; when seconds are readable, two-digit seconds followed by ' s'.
5 h 34 min
